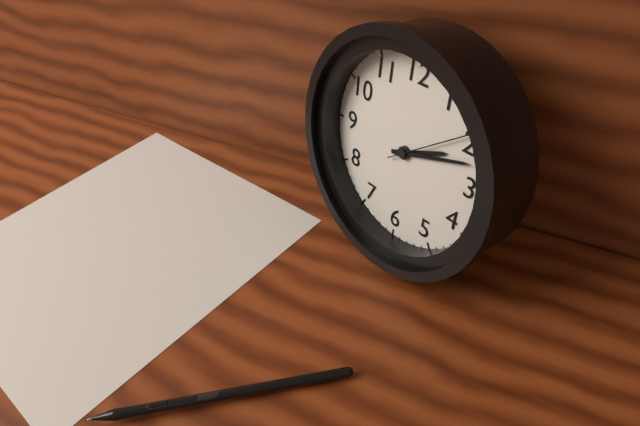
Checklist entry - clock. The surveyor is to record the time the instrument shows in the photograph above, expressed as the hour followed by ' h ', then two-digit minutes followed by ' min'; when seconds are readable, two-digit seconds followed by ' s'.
2 h 12 min 09 s
